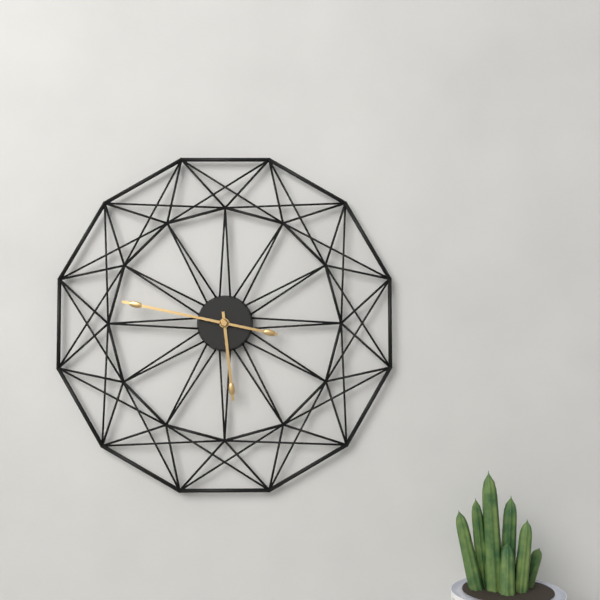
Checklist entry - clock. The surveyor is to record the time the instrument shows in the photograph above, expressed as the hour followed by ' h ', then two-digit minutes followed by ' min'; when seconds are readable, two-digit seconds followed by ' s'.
5 h 47 min
